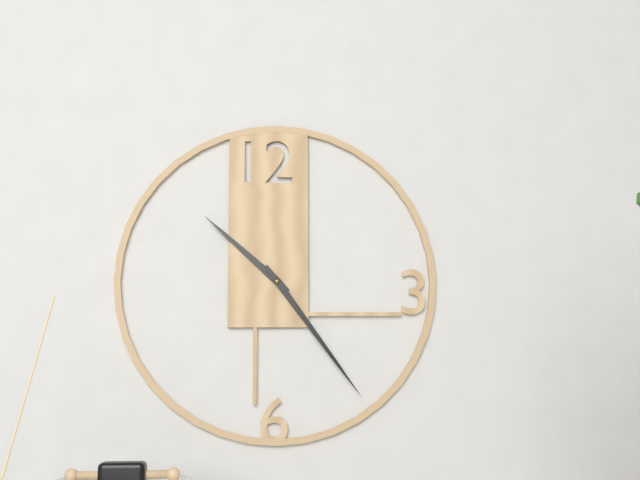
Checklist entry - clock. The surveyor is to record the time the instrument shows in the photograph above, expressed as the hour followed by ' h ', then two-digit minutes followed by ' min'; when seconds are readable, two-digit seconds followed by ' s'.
10 h 24 min
